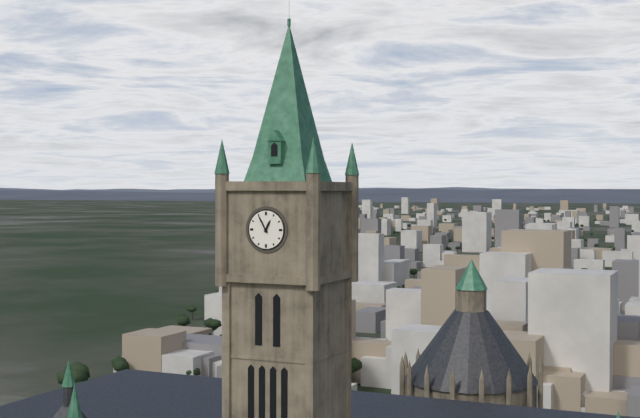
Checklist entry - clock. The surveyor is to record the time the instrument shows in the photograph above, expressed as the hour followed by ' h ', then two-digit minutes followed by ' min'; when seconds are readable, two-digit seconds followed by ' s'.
12 h 55 min
